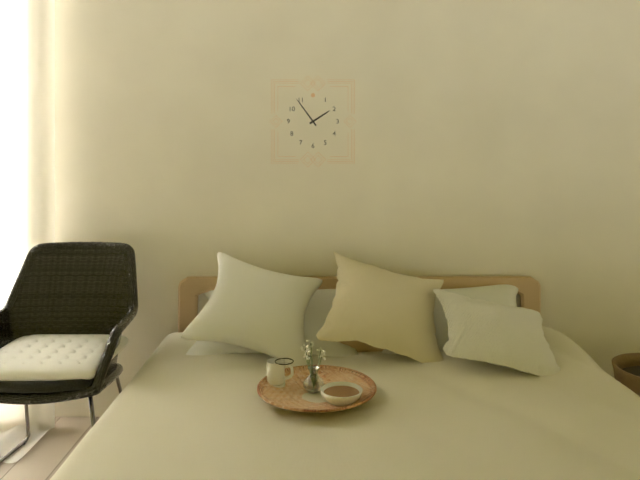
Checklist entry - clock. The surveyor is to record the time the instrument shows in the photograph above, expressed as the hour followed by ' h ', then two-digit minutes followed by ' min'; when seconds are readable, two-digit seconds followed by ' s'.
1 h 54 min
